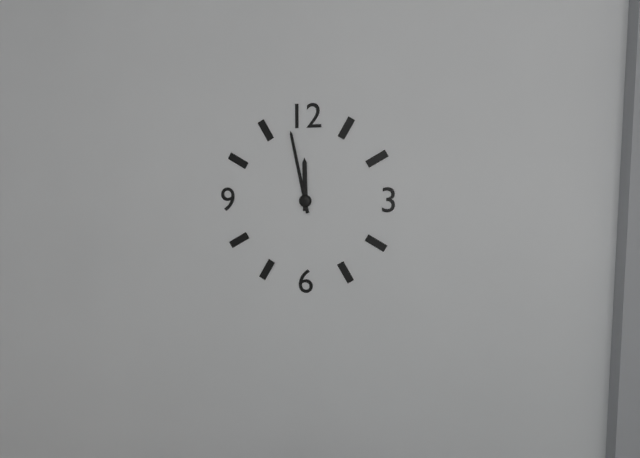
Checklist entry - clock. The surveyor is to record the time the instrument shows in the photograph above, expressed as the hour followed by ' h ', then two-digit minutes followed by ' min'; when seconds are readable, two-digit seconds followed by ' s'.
11 h 58 min
